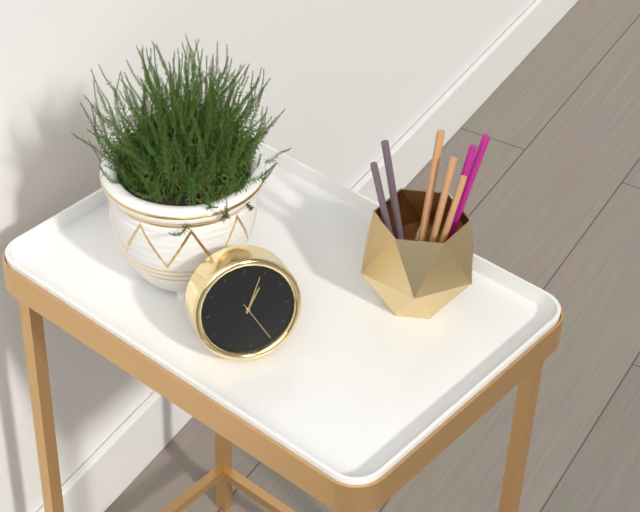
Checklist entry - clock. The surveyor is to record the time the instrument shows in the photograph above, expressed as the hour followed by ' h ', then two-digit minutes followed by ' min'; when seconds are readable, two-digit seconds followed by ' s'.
1 h 04 min
